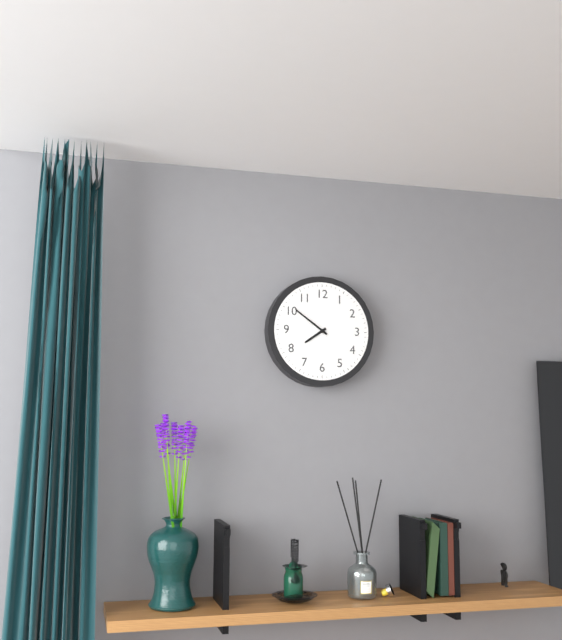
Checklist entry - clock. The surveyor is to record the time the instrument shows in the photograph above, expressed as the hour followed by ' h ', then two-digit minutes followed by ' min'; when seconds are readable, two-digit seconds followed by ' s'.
7 h 51 min
